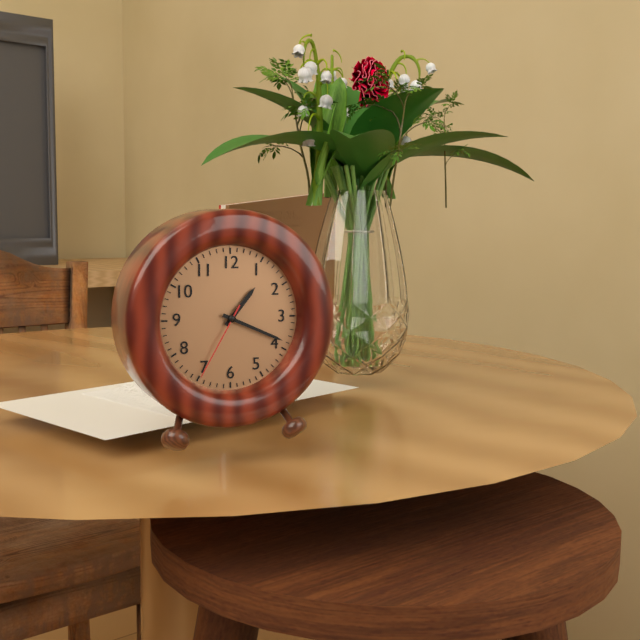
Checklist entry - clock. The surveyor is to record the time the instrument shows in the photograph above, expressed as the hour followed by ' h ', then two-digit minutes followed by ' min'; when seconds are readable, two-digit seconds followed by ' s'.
1 h 19 min 35 s
